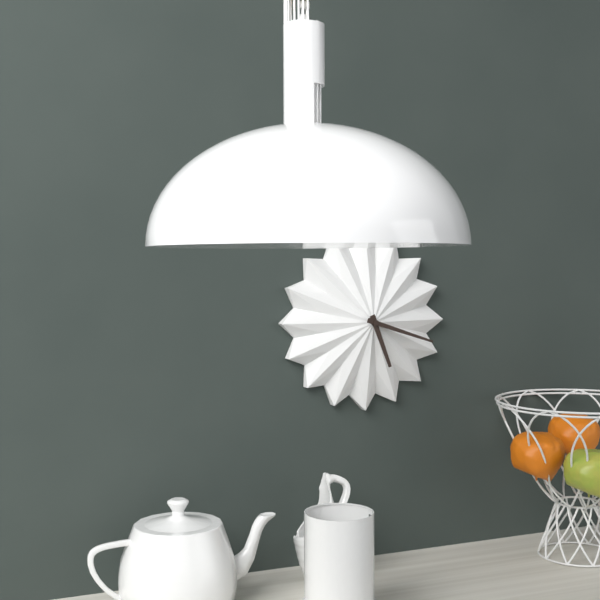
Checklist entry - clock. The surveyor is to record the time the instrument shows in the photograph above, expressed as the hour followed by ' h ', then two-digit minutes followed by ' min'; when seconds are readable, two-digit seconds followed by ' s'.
5 h 18 min
